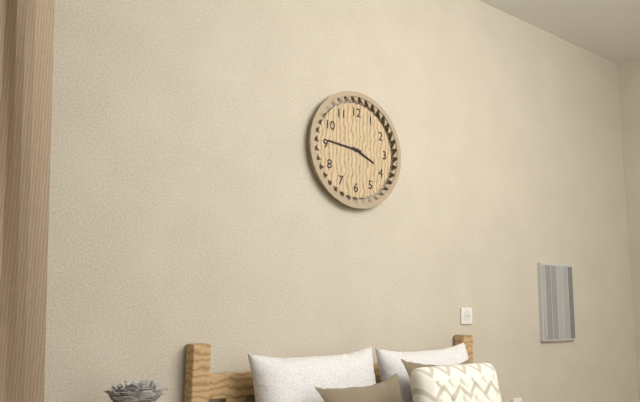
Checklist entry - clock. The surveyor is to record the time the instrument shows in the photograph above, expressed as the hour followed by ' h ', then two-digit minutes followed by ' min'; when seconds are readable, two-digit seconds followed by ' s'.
3 h 46 min
